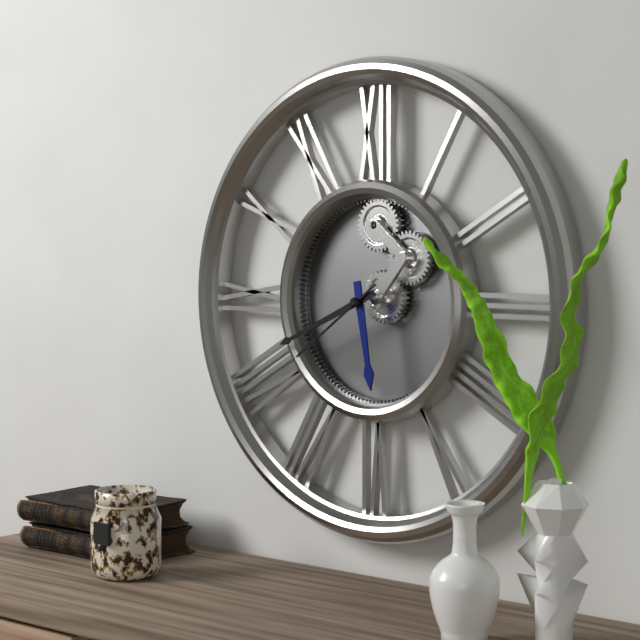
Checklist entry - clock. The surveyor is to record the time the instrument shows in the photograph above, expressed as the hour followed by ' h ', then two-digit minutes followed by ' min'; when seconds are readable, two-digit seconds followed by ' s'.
5 h 41 min 39 s
